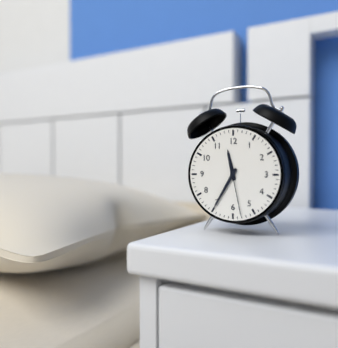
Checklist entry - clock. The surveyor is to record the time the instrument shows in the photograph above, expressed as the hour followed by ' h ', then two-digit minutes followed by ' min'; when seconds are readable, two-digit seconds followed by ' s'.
11 h 35 min 28 s
